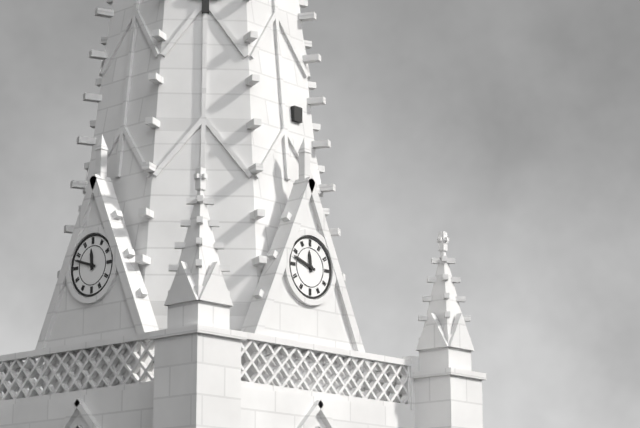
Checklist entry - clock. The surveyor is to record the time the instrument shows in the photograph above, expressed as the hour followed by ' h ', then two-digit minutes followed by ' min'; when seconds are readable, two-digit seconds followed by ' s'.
11 h 48 min
